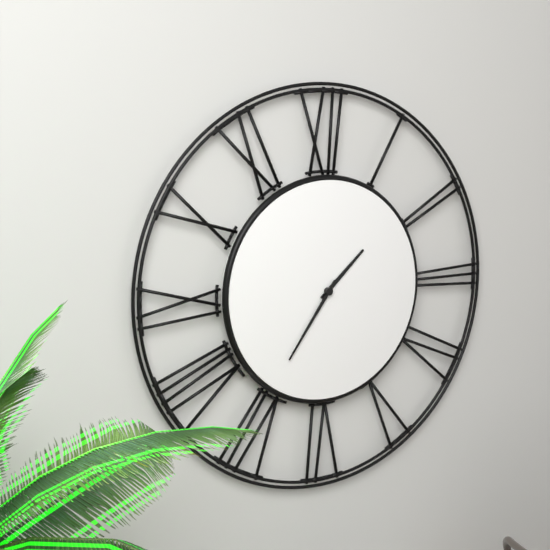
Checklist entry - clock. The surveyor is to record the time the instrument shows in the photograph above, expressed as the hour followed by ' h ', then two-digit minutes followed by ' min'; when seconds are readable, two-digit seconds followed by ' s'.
1 h 36 min
